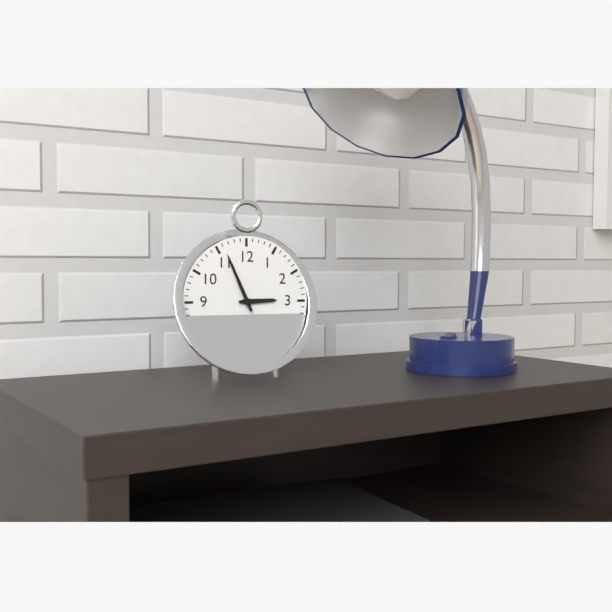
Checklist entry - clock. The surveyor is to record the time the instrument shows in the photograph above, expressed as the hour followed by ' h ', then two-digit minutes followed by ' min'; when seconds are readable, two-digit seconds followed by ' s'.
2 h 56 min
